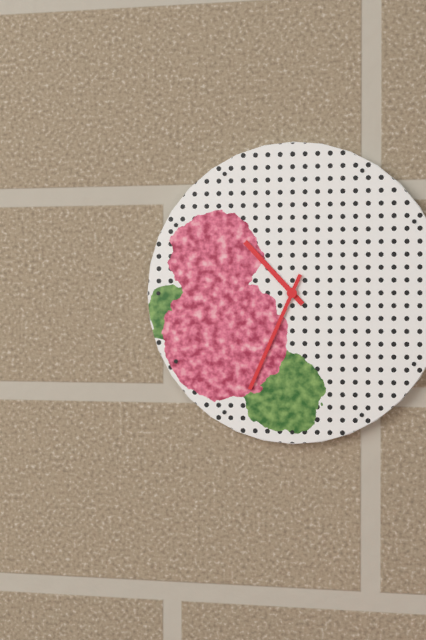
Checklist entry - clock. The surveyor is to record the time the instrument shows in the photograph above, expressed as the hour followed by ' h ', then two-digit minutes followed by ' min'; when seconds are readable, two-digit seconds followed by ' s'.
10 h 34 min
